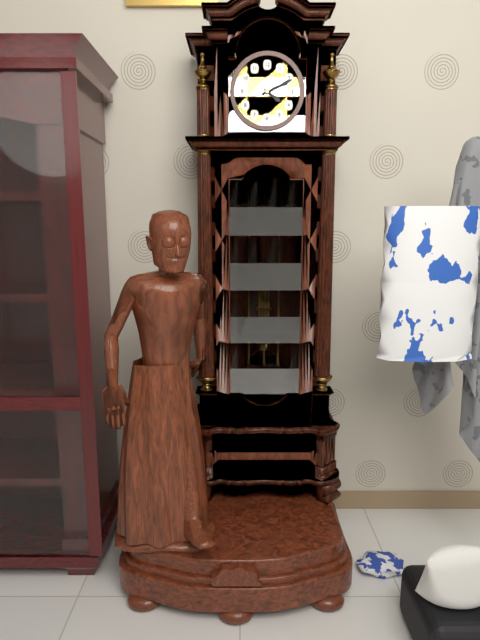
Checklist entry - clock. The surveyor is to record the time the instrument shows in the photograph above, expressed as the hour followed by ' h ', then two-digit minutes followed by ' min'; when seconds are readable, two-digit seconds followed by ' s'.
4 h 11 min
